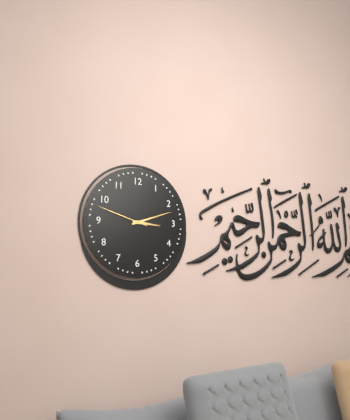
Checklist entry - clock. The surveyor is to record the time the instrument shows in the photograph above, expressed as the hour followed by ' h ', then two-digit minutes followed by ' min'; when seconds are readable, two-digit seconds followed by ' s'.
3 h 12 min 48 s
